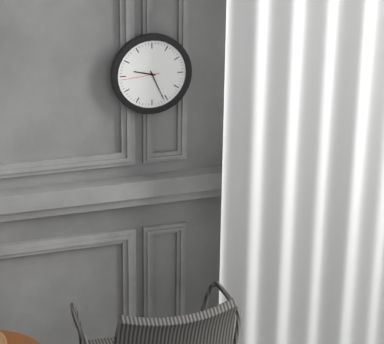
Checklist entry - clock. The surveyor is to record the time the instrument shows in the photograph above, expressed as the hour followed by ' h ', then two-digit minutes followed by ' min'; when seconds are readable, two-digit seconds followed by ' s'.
9 h 26 min
